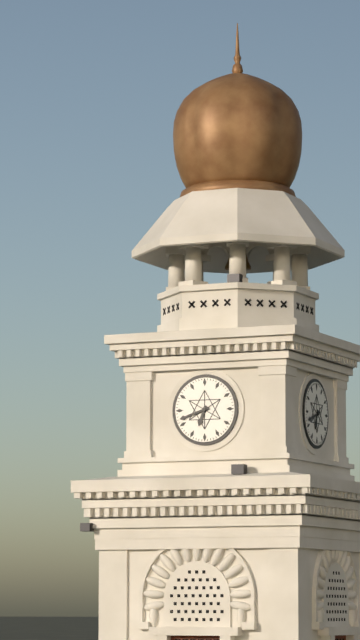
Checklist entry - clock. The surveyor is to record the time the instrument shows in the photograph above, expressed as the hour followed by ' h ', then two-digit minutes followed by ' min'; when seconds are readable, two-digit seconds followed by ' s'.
6 h 42 min
